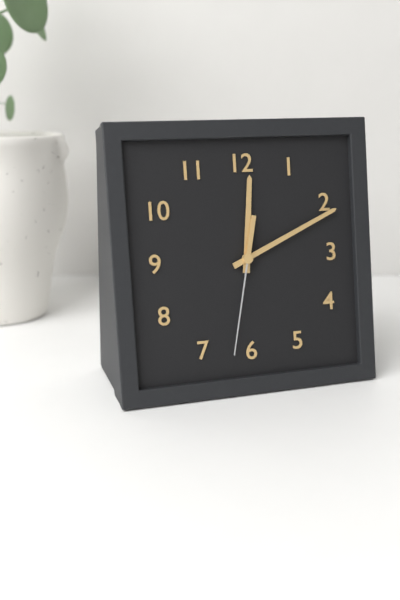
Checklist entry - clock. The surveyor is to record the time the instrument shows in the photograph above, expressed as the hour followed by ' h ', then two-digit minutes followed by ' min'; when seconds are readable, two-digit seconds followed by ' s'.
12 h 11 min 32 s
